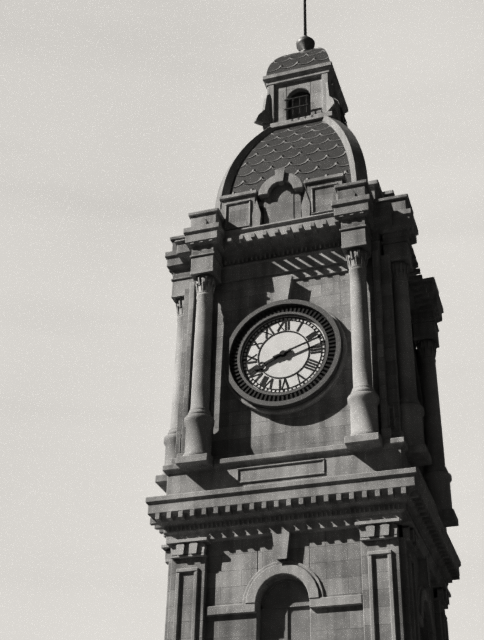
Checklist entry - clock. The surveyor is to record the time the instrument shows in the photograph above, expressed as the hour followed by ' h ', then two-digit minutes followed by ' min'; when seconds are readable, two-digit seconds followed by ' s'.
8 h 12 min
